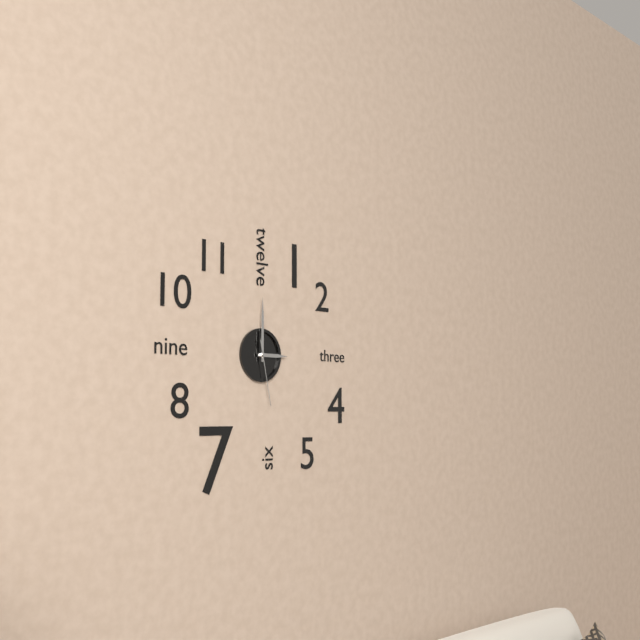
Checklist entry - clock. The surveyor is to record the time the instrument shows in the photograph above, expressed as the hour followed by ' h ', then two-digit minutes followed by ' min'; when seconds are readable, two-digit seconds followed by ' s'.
3 h 00 min 28 s
